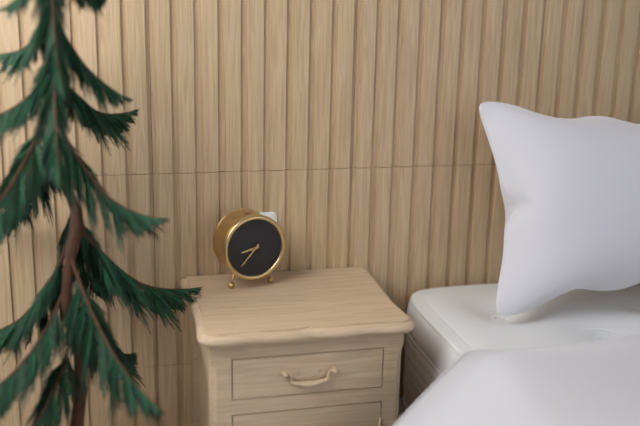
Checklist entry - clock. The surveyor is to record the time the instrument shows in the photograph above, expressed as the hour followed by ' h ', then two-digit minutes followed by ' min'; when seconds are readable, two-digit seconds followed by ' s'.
8 h 37 min
